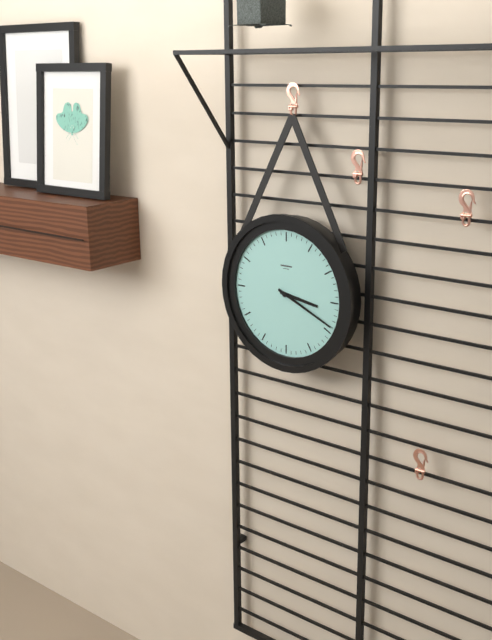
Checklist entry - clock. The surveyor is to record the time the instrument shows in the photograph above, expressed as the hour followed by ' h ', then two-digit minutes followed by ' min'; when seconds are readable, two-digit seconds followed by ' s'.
3 h 19 min
